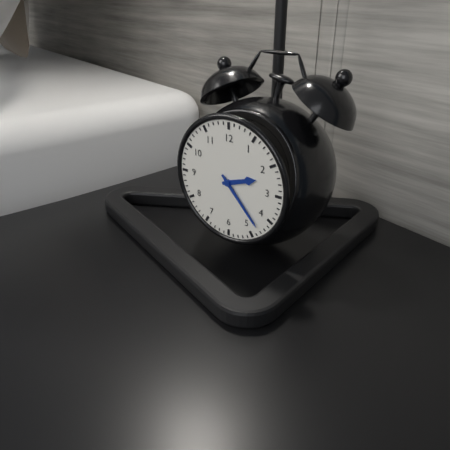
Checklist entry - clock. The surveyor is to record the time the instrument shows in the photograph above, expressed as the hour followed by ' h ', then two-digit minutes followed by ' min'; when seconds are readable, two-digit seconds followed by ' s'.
2 h 23 min
